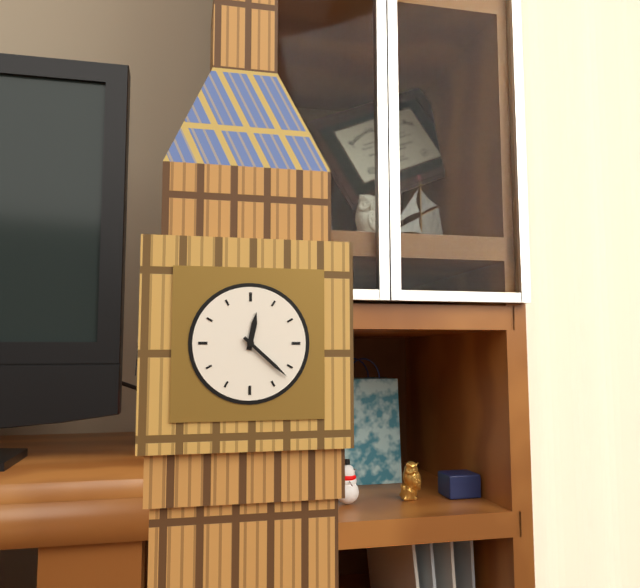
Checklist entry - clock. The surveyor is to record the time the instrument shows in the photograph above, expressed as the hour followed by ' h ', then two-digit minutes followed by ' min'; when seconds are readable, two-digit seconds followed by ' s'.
12 h 22 min
